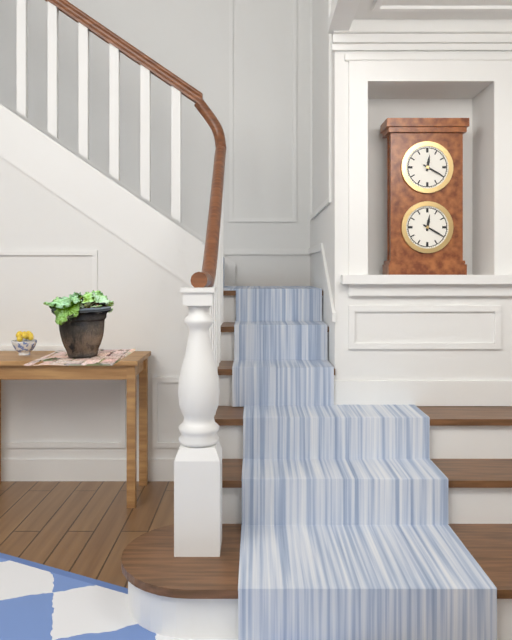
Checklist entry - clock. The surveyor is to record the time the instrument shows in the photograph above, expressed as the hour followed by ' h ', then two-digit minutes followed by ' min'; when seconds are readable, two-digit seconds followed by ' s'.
12 h 20 min
